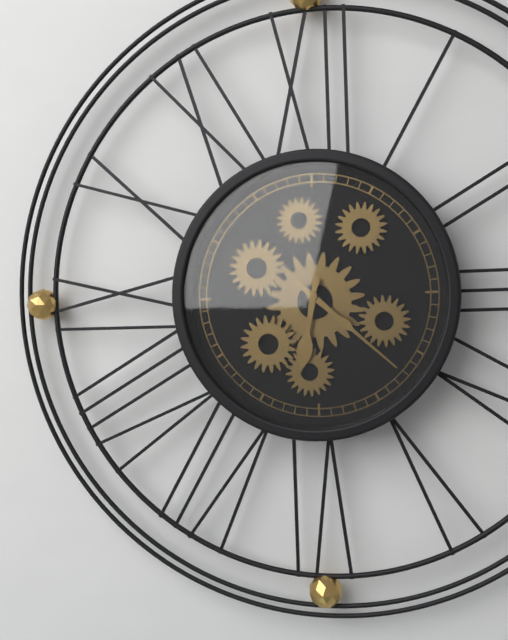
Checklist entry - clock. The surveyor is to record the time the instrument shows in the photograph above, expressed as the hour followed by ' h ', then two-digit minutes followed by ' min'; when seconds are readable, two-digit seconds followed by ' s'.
6 h 22 min
